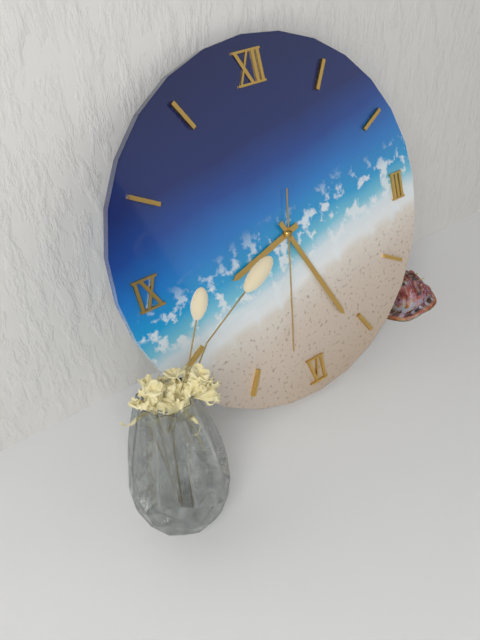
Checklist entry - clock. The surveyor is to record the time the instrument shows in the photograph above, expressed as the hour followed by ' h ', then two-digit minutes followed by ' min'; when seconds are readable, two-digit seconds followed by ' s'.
8 h 26 min 32 s
